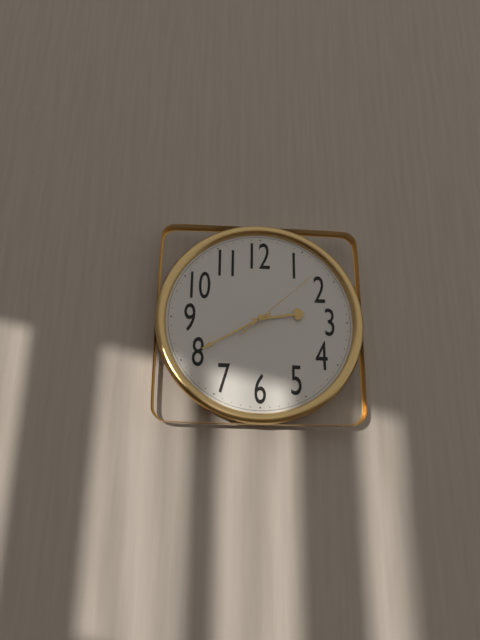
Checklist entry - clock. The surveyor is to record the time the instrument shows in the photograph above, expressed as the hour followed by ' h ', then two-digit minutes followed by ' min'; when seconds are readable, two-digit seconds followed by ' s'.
2 h 40 min 08 s
